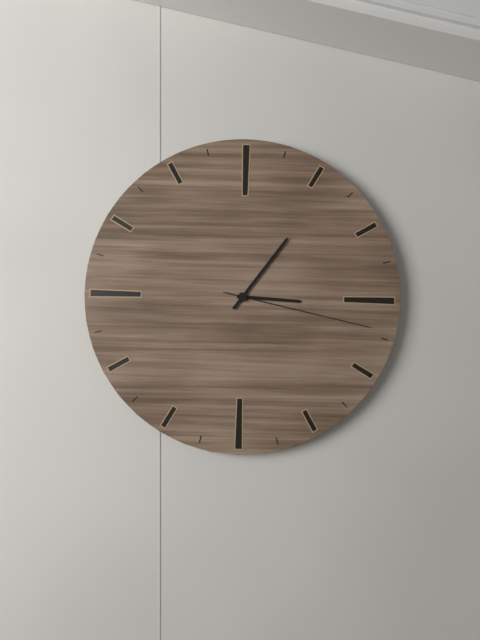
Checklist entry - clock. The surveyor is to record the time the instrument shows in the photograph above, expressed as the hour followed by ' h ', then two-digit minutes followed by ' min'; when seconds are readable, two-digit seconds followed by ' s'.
3 h 06 min 17 s
